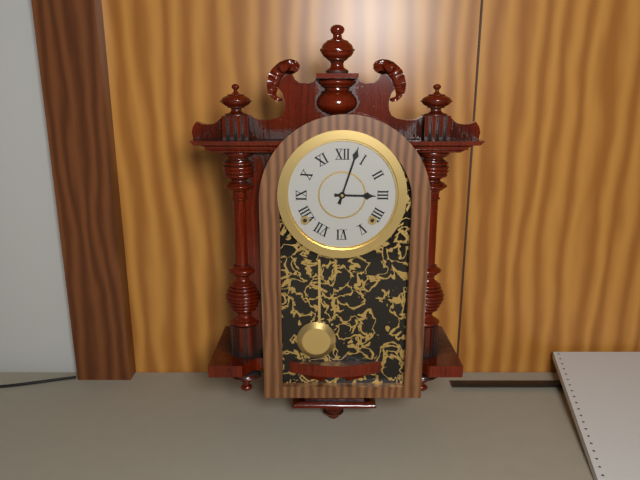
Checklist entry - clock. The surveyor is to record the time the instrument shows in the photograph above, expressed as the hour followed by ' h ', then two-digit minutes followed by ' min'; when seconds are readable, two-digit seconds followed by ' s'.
3 h 03 min
